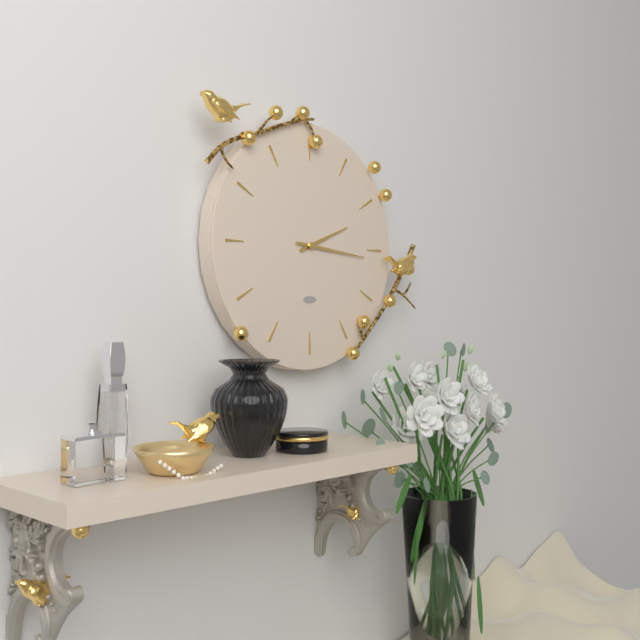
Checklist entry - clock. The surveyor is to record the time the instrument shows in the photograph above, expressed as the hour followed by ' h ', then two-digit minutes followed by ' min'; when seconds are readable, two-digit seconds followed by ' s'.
2 h 16 min
